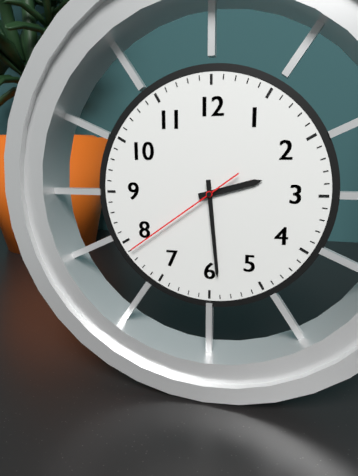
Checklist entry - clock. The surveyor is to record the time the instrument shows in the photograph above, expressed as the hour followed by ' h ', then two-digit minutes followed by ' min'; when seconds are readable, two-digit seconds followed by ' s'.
2 h 29 min 39 s
